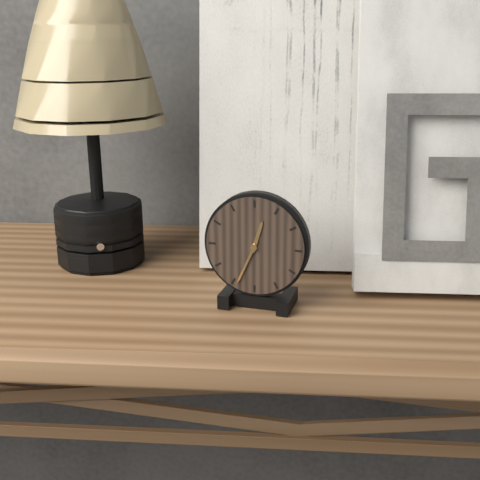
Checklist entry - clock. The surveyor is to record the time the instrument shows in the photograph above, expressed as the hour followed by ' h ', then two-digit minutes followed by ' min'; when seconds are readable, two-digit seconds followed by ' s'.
12 h 34 min
